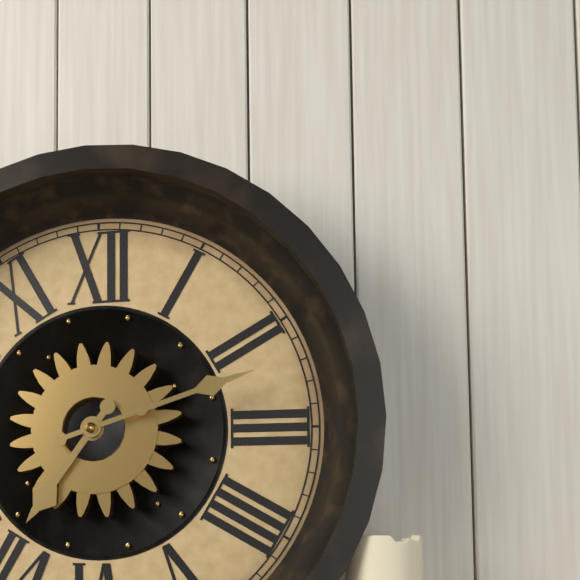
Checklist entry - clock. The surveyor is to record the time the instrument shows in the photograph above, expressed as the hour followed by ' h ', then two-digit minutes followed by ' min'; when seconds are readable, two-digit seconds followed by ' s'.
7 h 12 min
